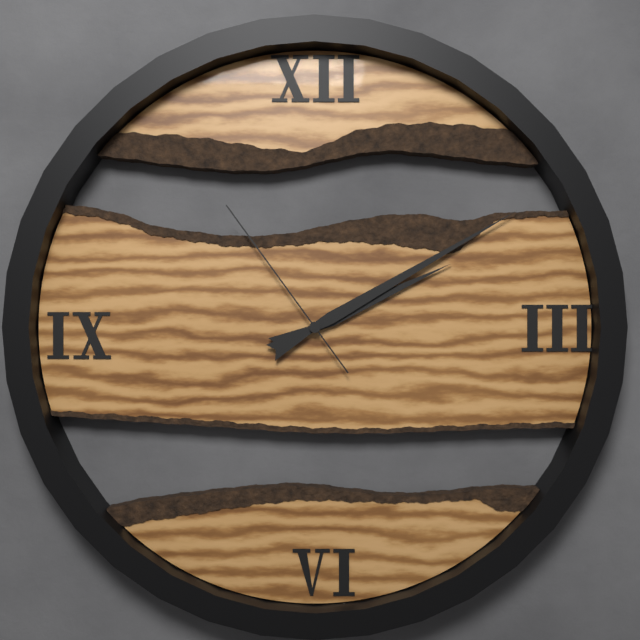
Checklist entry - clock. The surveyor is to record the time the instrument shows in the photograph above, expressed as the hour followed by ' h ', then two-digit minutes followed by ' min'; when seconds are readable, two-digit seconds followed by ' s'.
2 h 10 min 54 s
